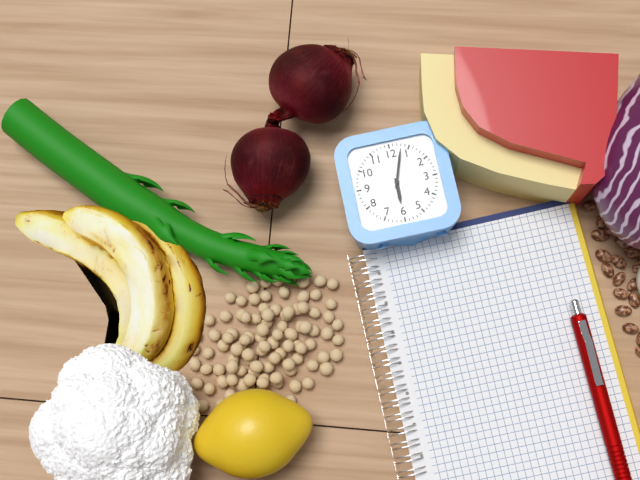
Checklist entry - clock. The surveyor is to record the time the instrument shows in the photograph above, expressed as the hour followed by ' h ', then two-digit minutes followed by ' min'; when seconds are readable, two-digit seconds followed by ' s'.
6 h 03 min
